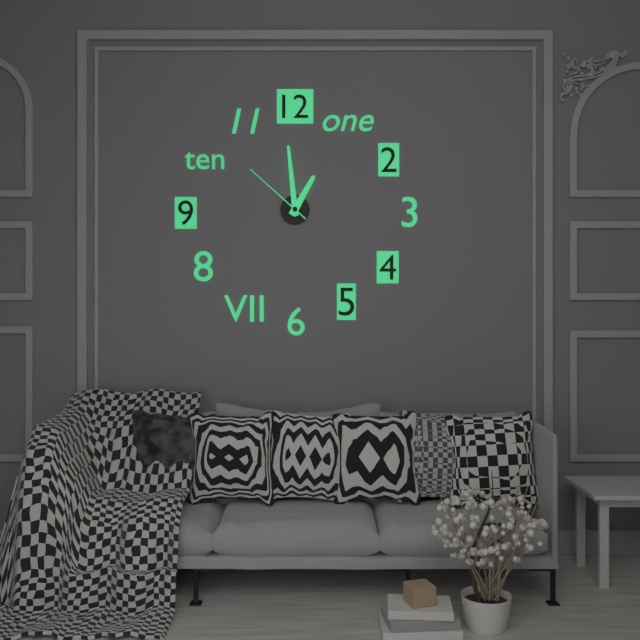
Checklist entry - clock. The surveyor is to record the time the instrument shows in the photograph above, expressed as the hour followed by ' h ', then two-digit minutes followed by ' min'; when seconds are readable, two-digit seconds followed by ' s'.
12 h 59 min 52 s
